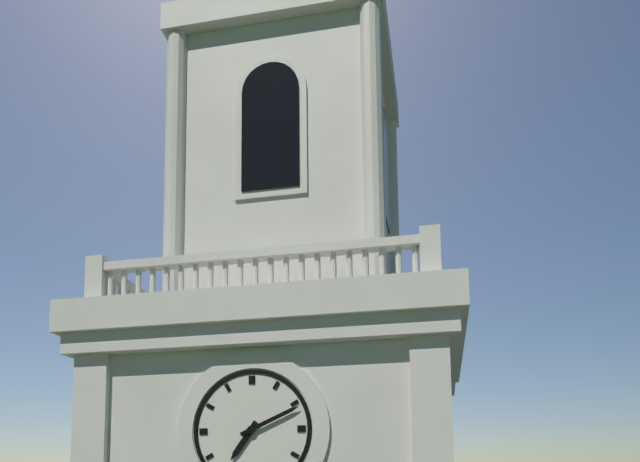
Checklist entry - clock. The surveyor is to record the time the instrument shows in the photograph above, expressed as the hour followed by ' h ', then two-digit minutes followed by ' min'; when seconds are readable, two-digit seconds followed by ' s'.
7 h 11 min
